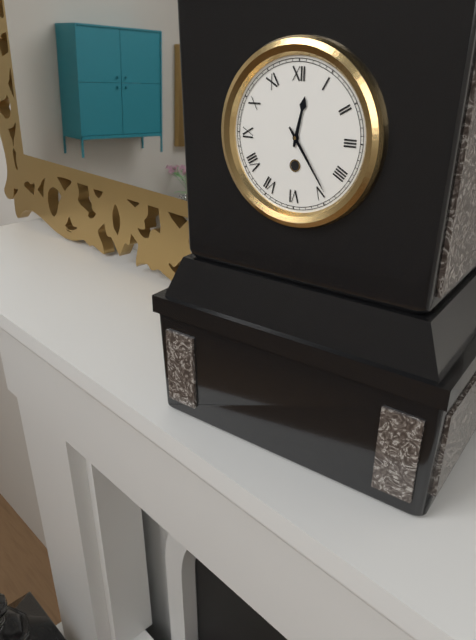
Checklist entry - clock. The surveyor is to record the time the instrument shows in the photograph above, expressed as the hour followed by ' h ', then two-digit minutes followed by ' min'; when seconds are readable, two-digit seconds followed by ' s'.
12 h 24 min
